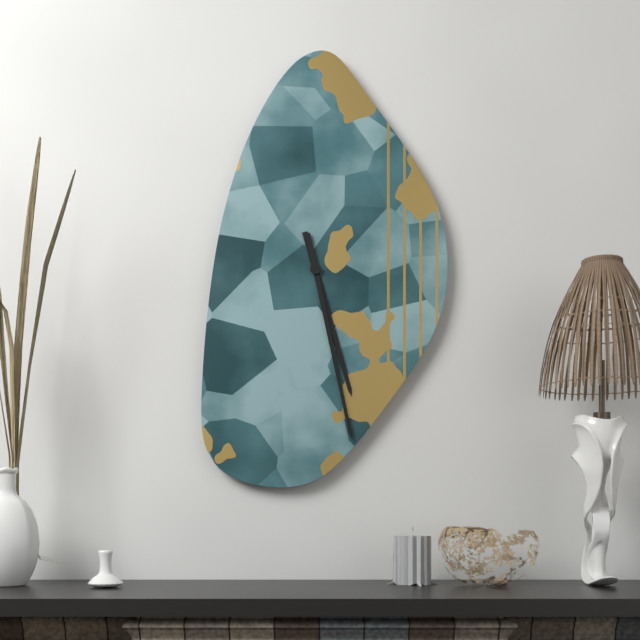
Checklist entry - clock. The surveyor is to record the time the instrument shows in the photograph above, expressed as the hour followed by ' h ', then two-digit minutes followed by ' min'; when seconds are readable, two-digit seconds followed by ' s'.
5 h 28 min
